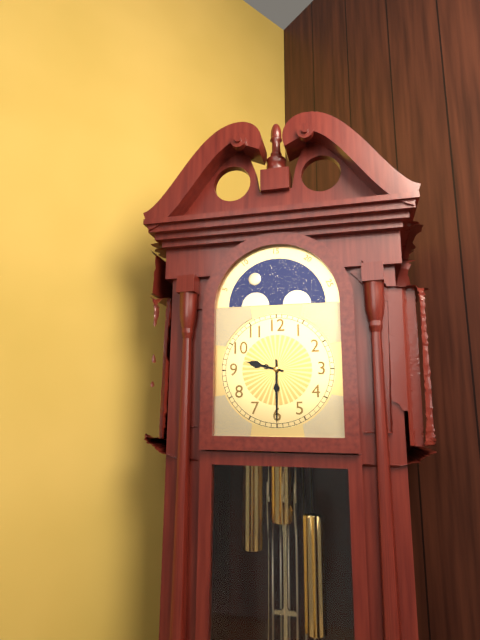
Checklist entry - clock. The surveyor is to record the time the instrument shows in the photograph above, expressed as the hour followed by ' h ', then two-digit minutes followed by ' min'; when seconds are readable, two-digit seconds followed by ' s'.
9 h 30 min
